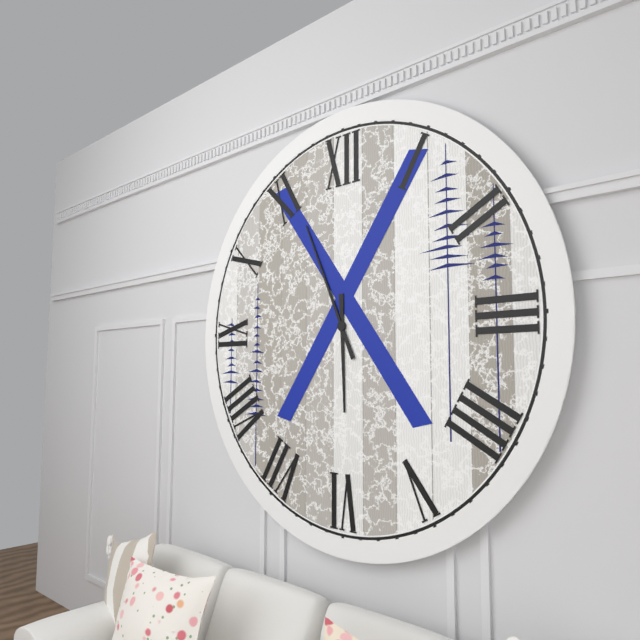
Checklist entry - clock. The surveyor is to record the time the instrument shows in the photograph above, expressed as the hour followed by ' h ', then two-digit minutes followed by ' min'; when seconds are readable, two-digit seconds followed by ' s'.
5 h 56 min
